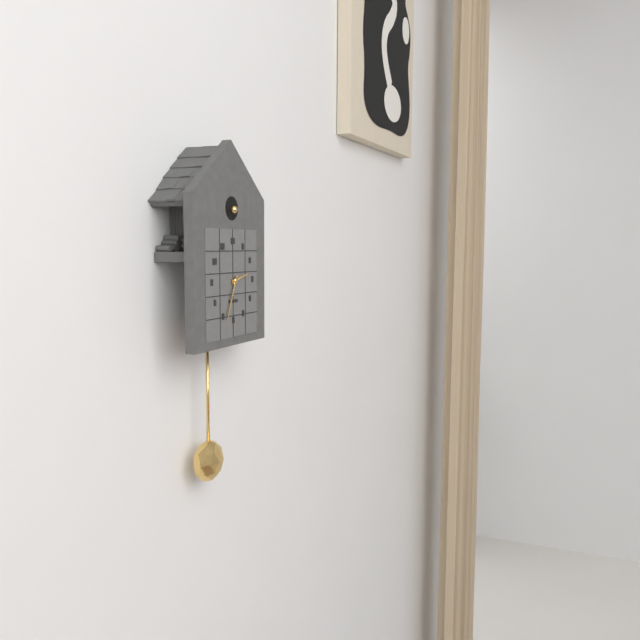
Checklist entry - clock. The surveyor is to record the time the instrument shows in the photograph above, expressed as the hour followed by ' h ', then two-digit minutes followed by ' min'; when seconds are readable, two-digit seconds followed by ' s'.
2 h 34 min
